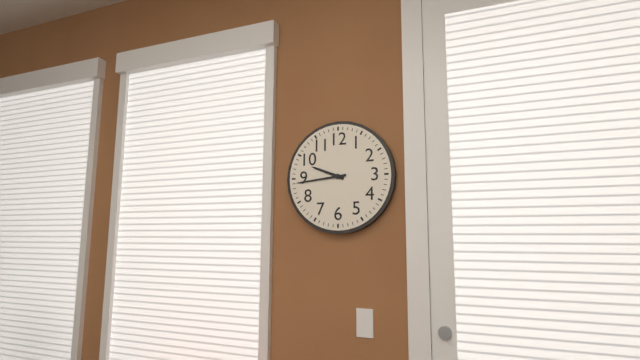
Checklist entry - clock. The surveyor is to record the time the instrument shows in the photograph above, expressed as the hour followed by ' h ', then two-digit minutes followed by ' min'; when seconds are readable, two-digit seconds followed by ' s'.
9 h 44 min
